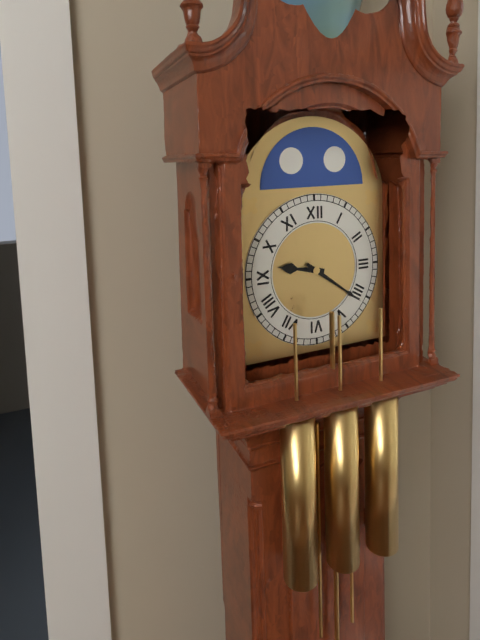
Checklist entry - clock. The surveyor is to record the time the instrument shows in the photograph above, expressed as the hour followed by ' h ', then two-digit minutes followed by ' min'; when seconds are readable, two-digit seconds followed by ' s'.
9 h 21 min
